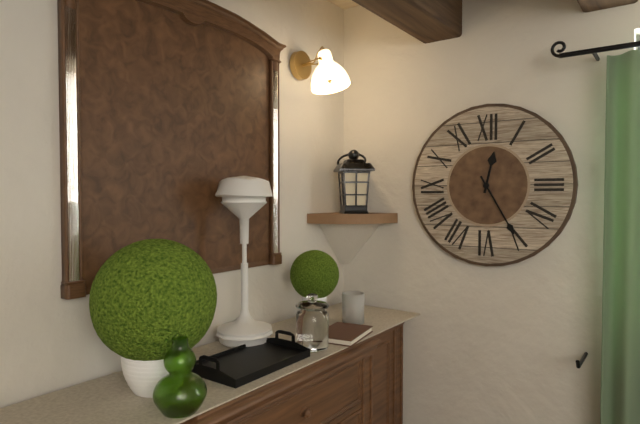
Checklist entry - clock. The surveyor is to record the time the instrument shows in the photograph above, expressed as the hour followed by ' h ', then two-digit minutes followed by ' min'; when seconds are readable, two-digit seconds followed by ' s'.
12 h 25 min
